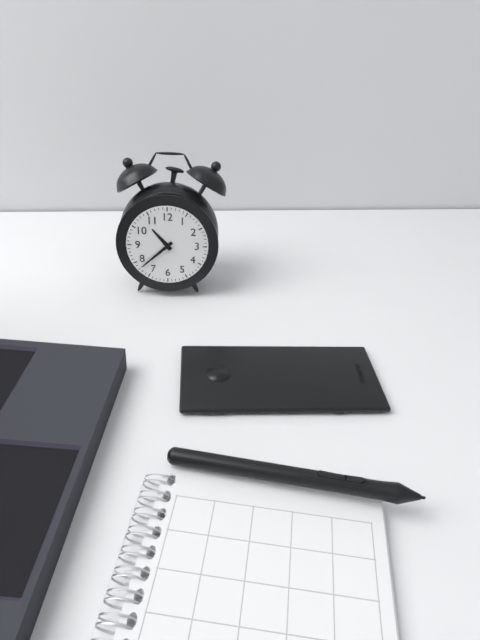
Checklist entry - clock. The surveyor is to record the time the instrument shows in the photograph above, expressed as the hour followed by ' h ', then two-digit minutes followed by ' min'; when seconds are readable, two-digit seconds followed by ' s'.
10 h 38 min
